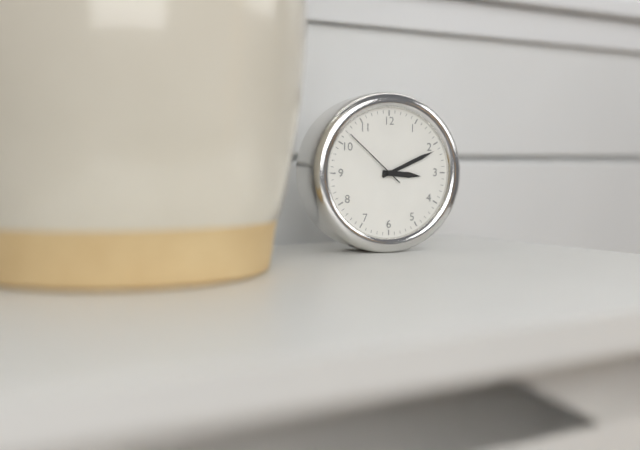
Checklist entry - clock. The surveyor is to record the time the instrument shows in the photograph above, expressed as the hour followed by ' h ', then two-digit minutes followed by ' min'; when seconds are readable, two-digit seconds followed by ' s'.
3 h 11 min 52 s
